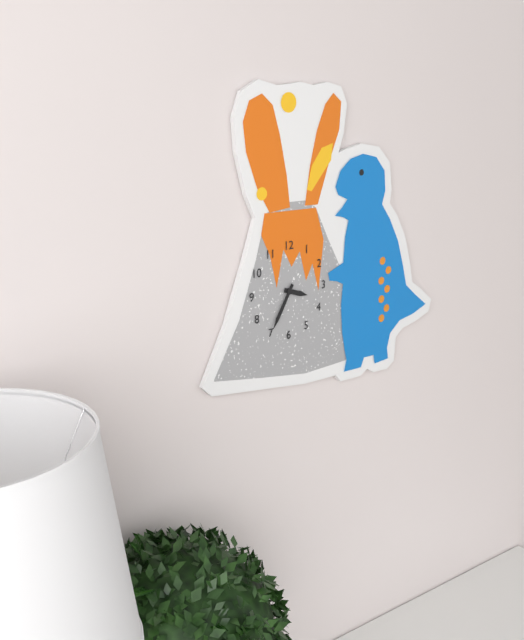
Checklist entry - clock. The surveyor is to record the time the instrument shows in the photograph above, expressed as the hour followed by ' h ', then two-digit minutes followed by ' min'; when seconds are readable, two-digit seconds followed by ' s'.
3 h 35 min
